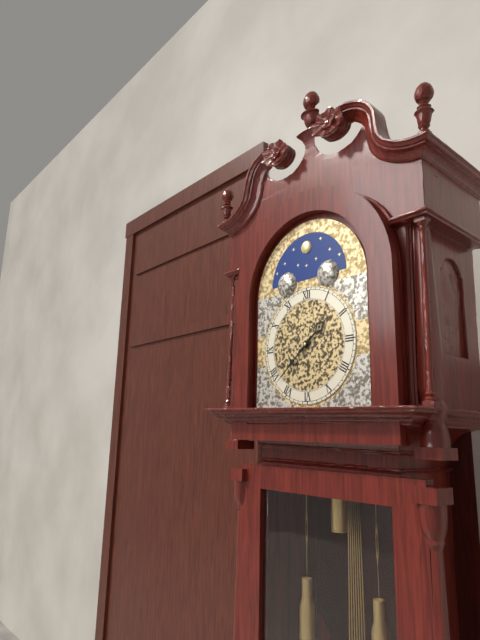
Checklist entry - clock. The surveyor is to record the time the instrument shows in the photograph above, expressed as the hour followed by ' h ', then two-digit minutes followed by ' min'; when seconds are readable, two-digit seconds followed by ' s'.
1 h 38 min
